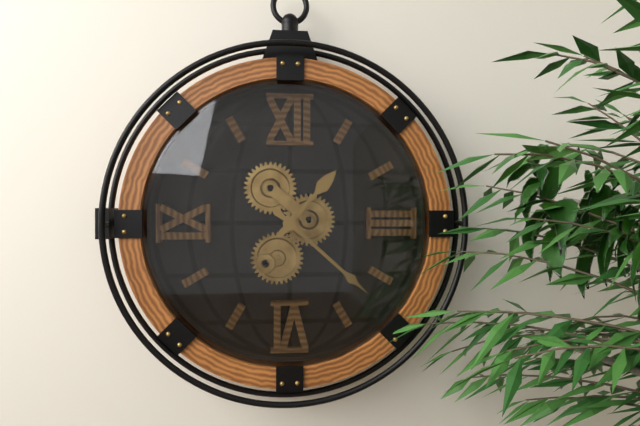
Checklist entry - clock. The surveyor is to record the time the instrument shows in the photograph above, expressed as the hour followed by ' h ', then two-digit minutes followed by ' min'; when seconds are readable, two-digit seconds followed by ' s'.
1 h 22 min
